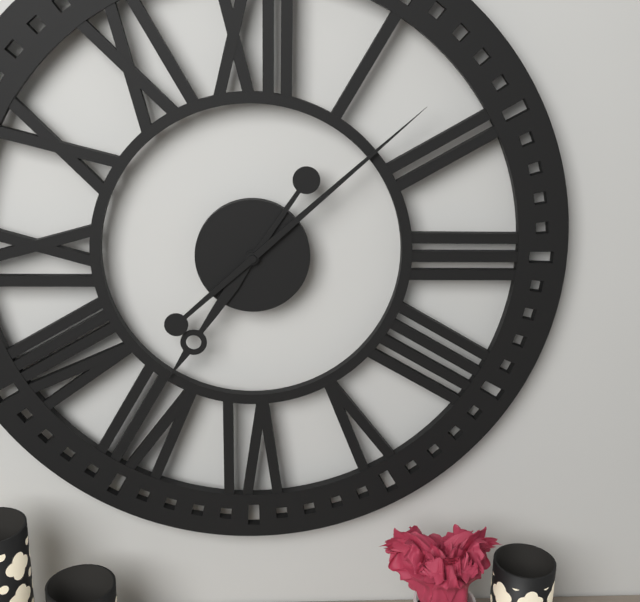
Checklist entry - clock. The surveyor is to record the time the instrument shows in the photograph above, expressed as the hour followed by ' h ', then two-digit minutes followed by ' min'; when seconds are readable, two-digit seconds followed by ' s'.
7 h 08 min
